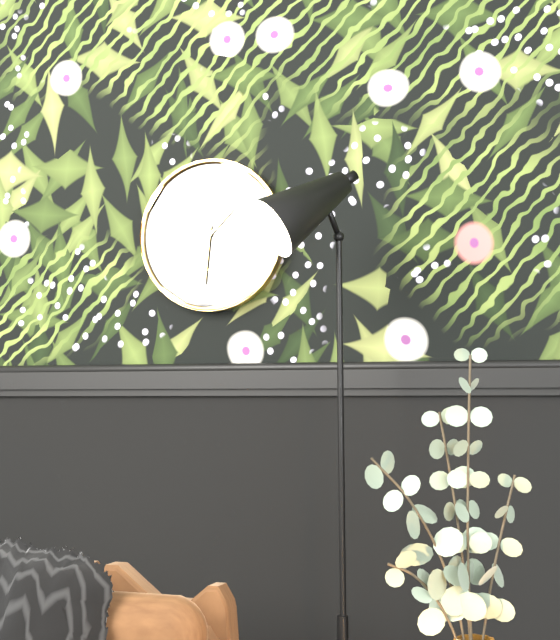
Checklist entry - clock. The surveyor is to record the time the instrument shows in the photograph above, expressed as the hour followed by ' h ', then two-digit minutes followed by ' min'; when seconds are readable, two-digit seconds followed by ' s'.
1 h 31 min
